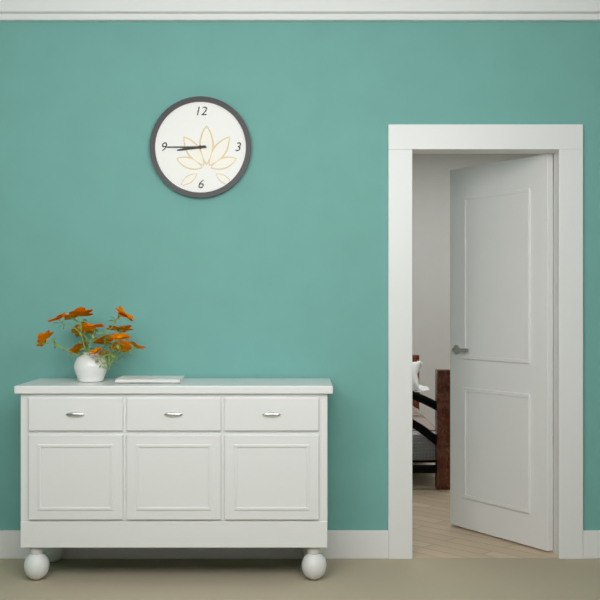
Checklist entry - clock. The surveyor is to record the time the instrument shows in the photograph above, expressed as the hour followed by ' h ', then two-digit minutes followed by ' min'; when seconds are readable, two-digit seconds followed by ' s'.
8 h 45 min
